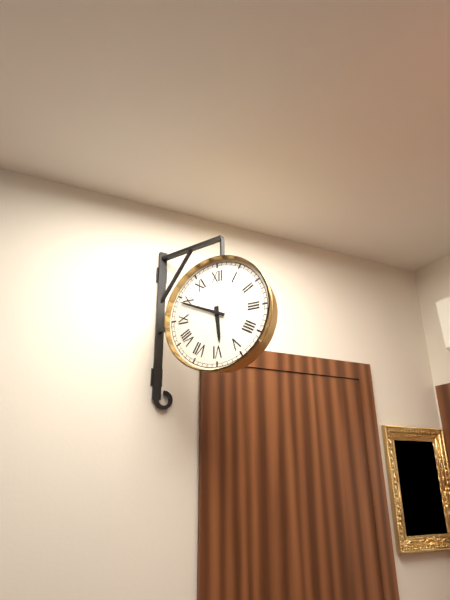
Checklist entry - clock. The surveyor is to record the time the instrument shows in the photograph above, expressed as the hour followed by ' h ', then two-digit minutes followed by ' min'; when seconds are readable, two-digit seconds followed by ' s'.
5 h 49 min
